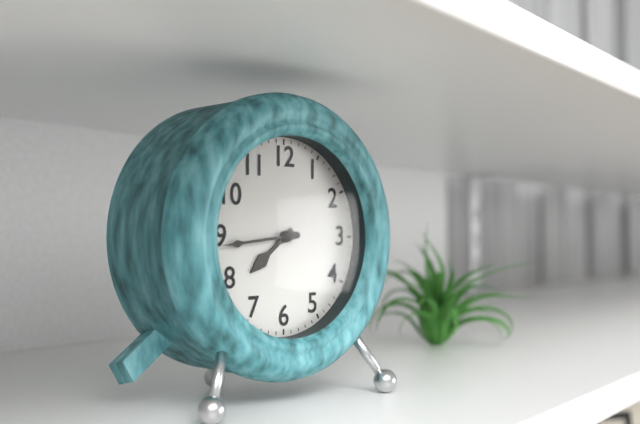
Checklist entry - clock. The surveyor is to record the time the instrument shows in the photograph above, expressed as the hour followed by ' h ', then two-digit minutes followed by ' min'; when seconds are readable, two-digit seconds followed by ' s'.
7 h 44 min
